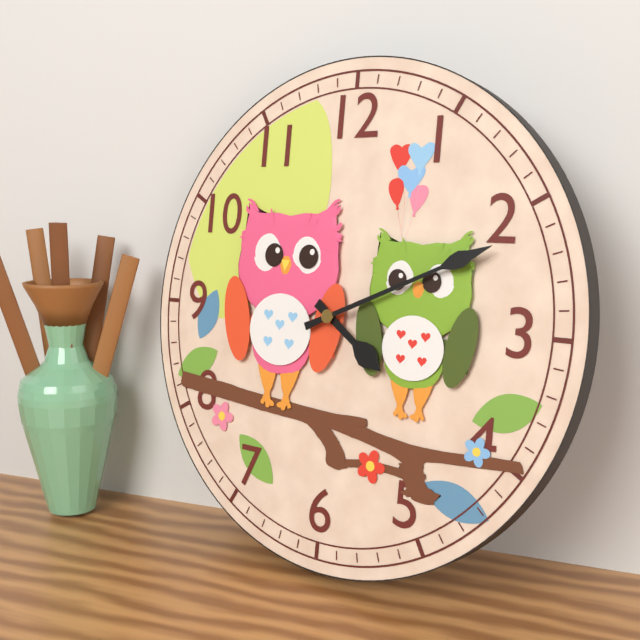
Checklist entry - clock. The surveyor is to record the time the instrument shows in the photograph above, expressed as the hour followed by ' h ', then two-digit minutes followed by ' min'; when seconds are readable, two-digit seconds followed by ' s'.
4 h 11 min
